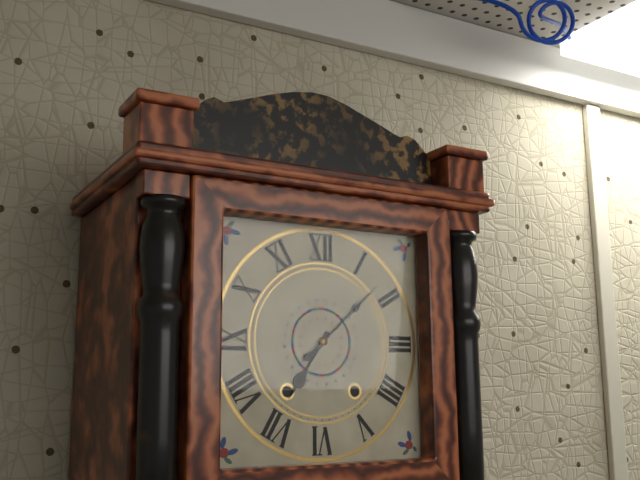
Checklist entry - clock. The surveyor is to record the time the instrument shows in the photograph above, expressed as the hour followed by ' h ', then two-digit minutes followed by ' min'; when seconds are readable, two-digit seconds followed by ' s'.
7 h 08 min
